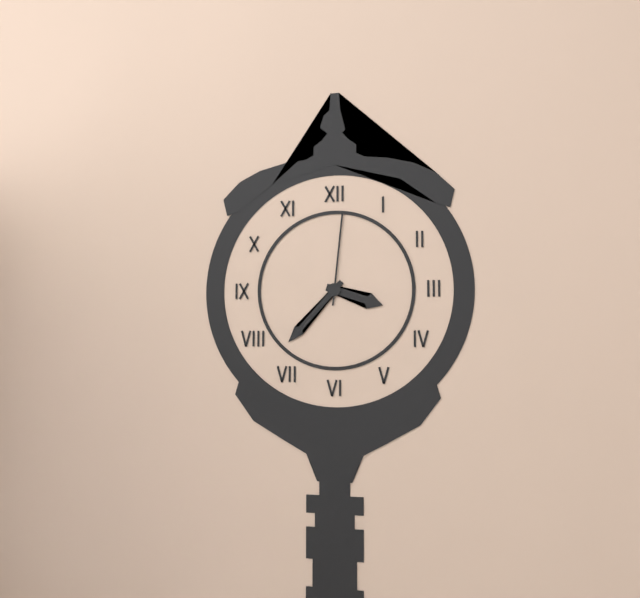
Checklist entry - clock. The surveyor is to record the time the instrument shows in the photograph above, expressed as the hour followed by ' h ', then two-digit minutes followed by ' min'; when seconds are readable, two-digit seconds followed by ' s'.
3 h 37 min 01 s
